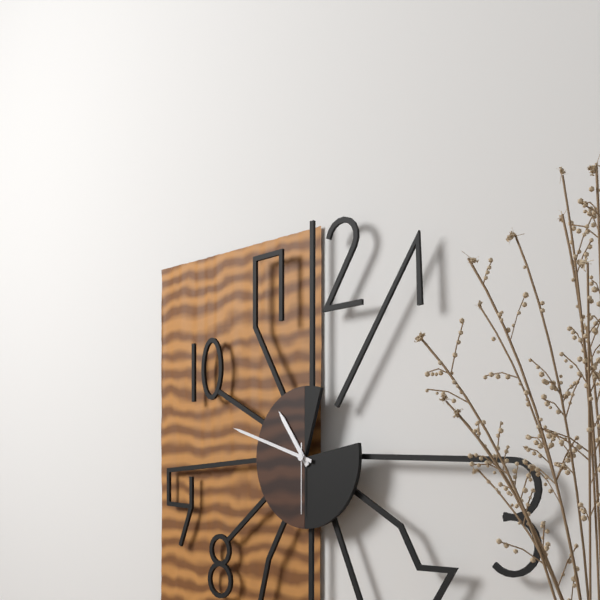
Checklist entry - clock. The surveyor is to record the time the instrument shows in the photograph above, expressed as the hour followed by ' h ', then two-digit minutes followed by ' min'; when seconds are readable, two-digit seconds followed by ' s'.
10 h 48 min 30 s
